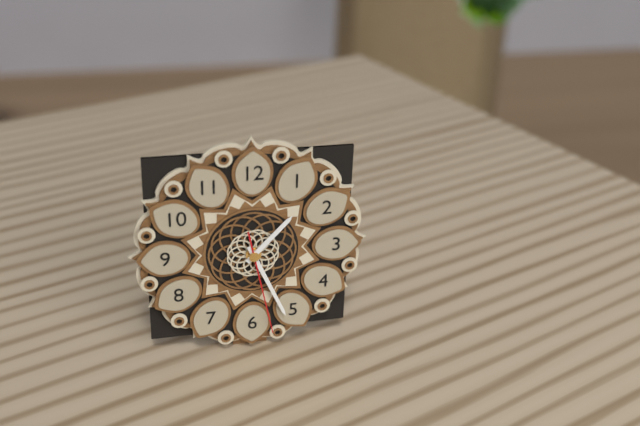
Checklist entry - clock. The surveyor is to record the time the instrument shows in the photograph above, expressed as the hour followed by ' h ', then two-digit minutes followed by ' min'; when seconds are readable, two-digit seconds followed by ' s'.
1 h 26 min 28 s
